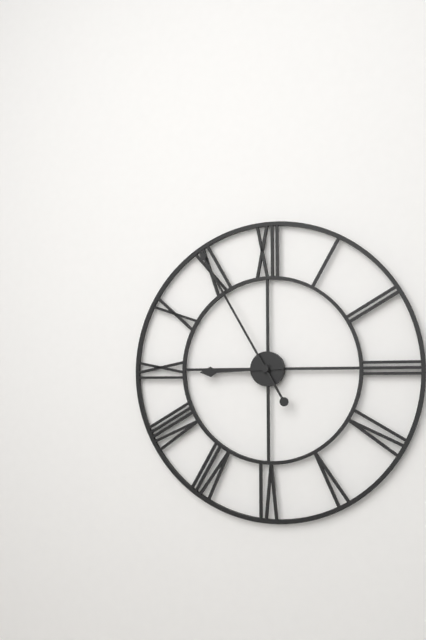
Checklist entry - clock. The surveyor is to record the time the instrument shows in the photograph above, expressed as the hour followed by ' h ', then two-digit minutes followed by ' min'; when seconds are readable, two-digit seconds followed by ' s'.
8 h 55 min
